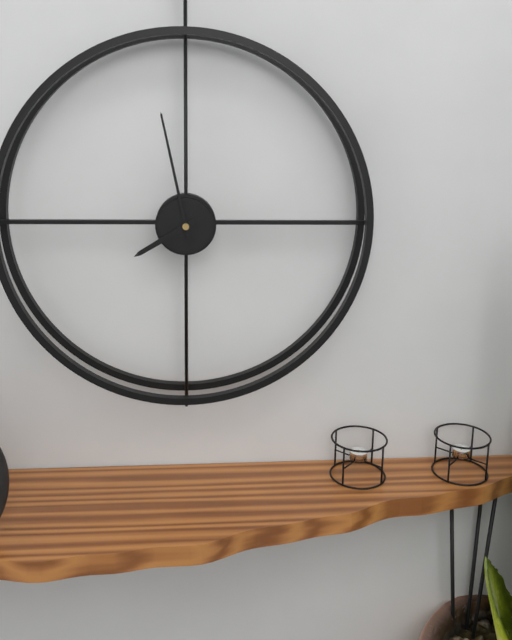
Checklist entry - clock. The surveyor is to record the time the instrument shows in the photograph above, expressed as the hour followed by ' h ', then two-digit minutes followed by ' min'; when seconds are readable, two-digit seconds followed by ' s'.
7 h 58 min
